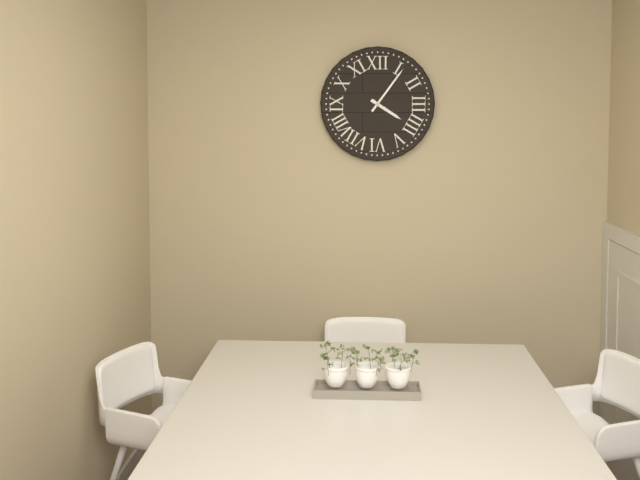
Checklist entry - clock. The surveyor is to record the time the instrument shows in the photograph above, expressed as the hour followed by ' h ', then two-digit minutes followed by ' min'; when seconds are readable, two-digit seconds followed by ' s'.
4 h 06 min
